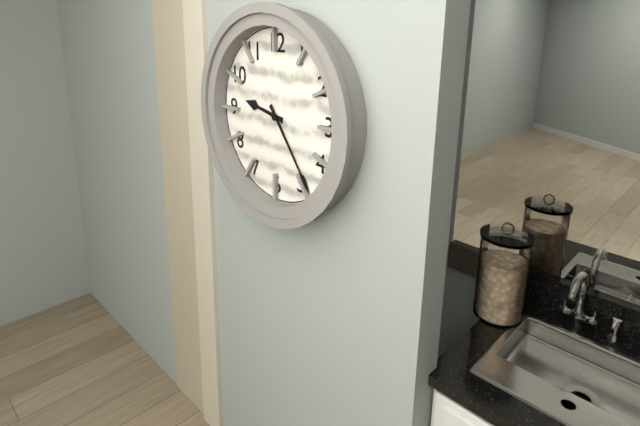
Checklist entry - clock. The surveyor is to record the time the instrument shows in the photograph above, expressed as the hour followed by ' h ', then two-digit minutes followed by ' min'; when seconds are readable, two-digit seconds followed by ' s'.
9 h 24 min
